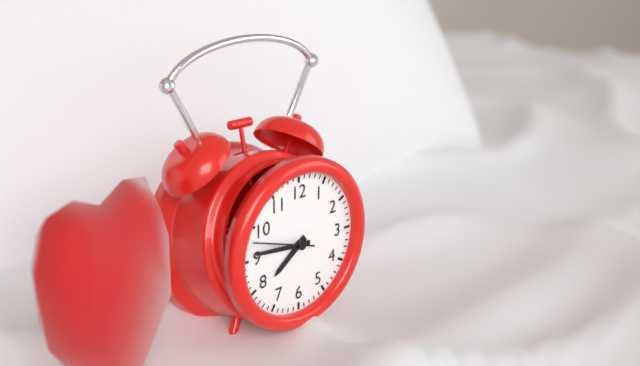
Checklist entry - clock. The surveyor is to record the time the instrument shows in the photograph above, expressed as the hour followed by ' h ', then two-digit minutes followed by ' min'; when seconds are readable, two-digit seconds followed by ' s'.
7 h 46 min 48 s
